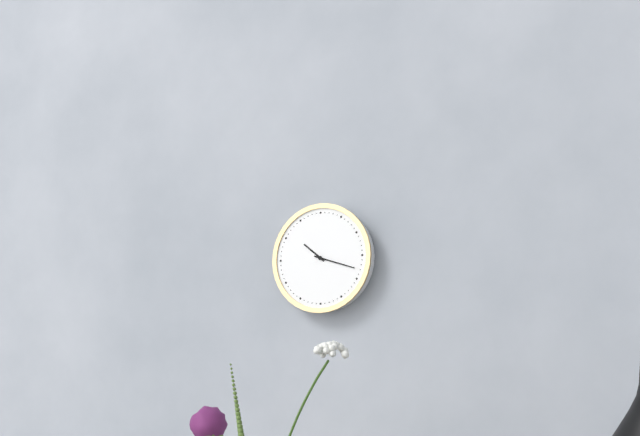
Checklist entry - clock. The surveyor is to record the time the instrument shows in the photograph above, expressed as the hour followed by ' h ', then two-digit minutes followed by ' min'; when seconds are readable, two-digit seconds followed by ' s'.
10 h 18 min
